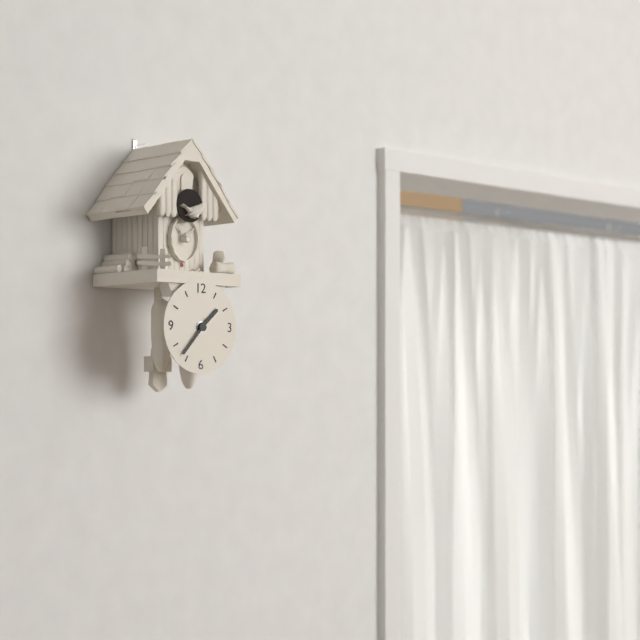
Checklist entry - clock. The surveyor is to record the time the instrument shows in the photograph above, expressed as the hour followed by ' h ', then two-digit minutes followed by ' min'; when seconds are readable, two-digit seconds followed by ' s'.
1 h 37 min
